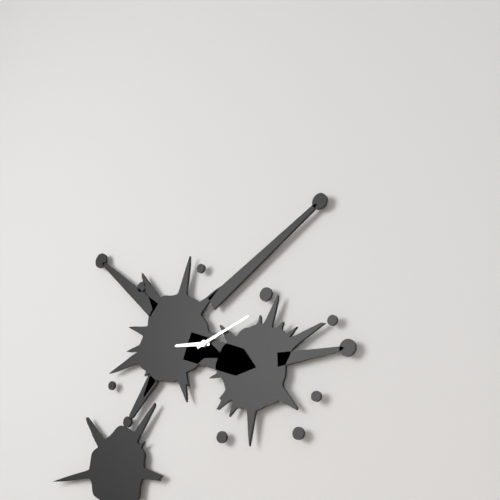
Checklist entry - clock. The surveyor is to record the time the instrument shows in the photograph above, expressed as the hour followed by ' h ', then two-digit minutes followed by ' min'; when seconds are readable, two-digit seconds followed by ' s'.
9 h 12 min
